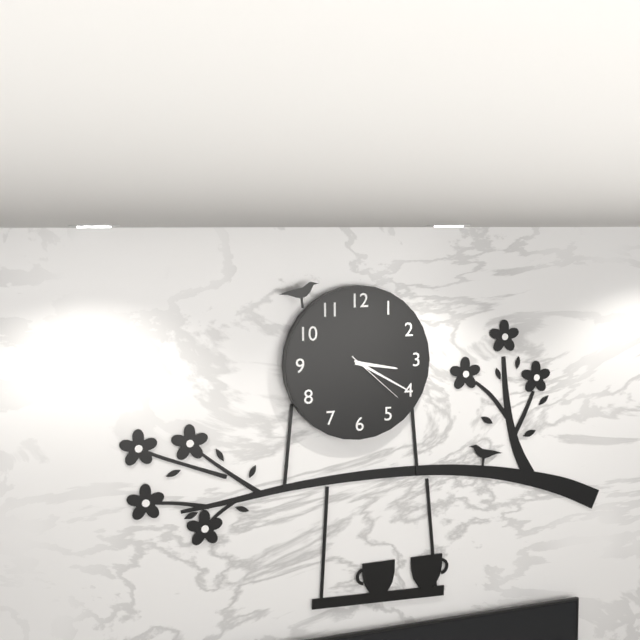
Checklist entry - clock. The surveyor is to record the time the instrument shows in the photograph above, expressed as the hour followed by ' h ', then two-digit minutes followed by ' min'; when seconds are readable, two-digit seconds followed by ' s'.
3 h 20 min 22 s
